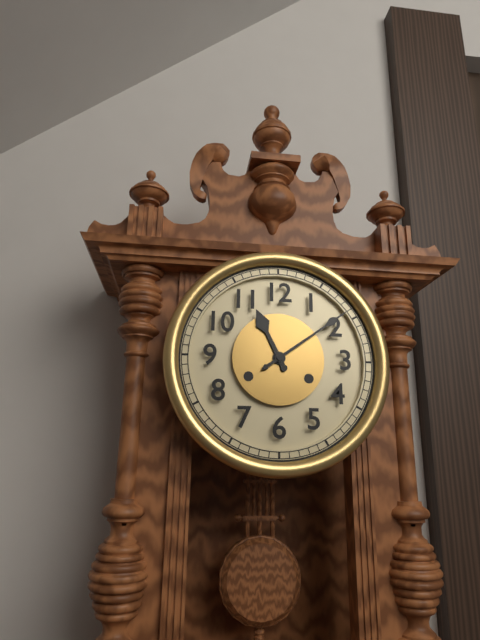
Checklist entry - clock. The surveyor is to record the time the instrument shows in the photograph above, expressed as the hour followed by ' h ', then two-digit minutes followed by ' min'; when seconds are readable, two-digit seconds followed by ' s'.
11 h 09 min
